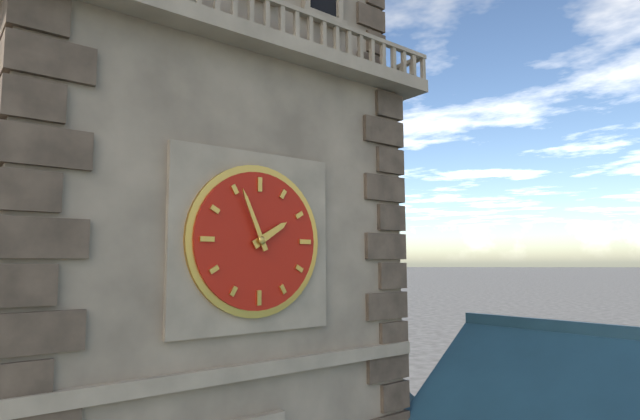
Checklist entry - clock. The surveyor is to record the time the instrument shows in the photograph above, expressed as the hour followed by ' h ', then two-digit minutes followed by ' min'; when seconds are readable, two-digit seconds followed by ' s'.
1 h 56 min
